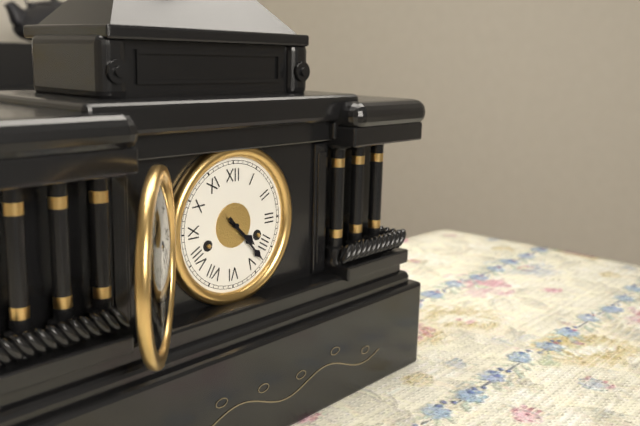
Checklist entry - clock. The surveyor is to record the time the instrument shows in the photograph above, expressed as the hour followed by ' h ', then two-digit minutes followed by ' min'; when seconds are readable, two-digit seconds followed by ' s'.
4 h 23 min
